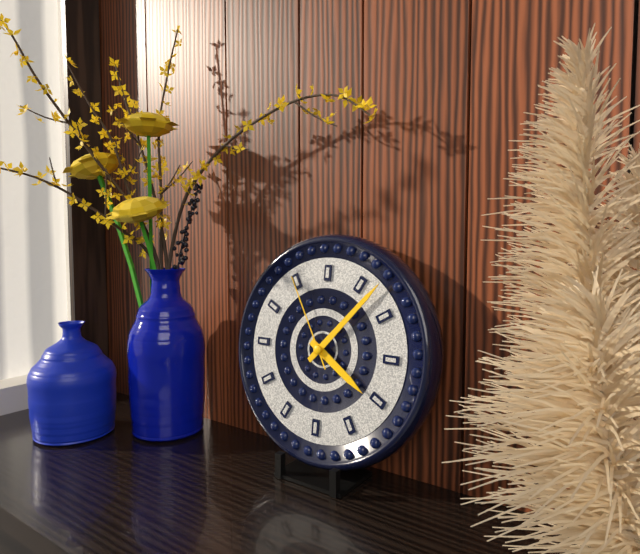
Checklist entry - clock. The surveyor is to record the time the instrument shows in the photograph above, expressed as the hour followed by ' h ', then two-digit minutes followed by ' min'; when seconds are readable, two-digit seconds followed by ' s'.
4 h 07 min 55 s
